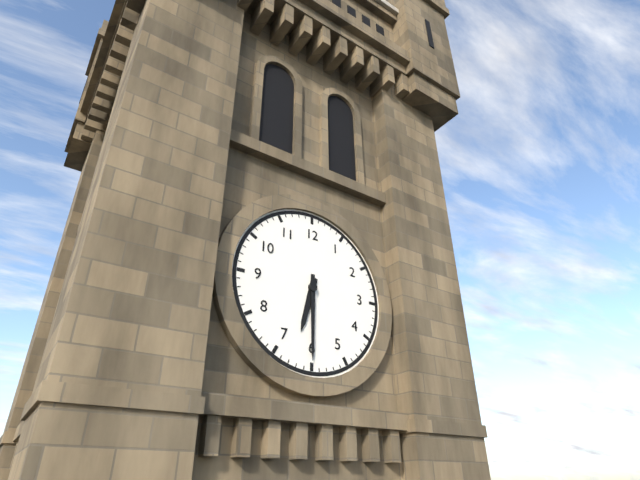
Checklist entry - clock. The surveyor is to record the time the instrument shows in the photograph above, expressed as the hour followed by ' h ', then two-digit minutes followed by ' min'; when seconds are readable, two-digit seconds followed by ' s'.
6 h 30 min
